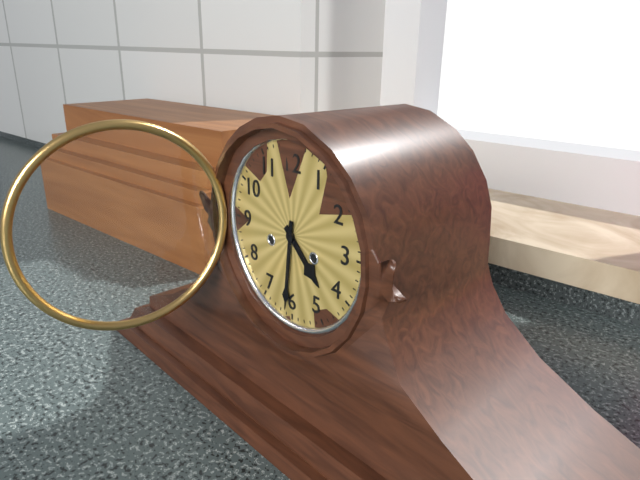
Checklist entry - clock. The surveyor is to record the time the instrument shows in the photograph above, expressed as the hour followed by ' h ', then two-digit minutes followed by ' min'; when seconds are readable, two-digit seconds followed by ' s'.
4 h 31 min
